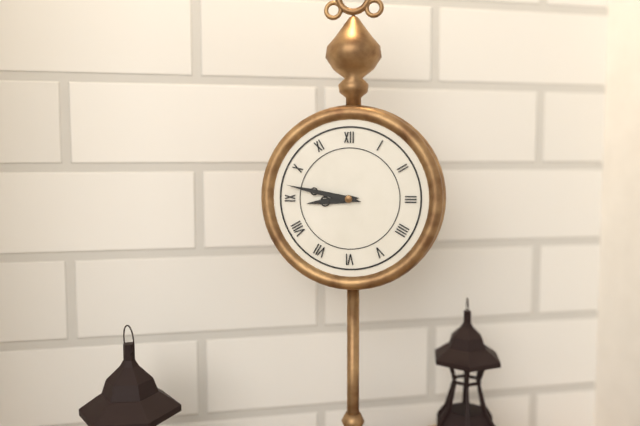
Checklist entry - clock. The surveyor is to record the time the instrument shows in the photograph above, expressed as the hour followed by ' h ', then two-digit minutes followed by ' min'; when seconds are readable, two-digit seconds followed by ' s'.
8 h 47 min
